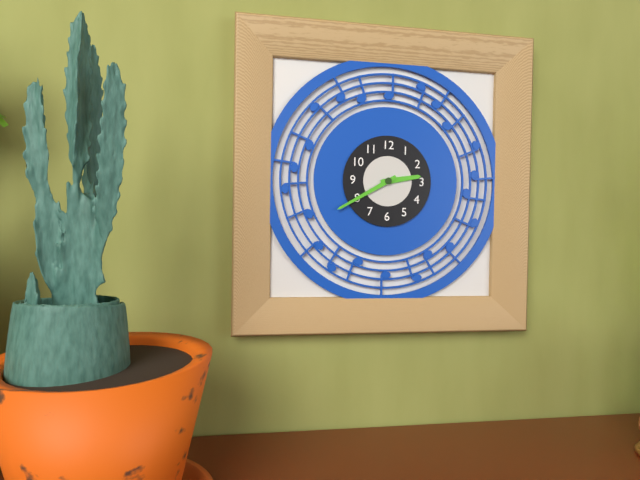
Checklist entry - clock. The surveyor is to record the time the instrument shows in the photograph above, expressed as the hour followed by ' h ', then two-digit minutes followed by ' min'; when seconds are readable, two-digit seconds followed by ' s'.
2 h 40 min
